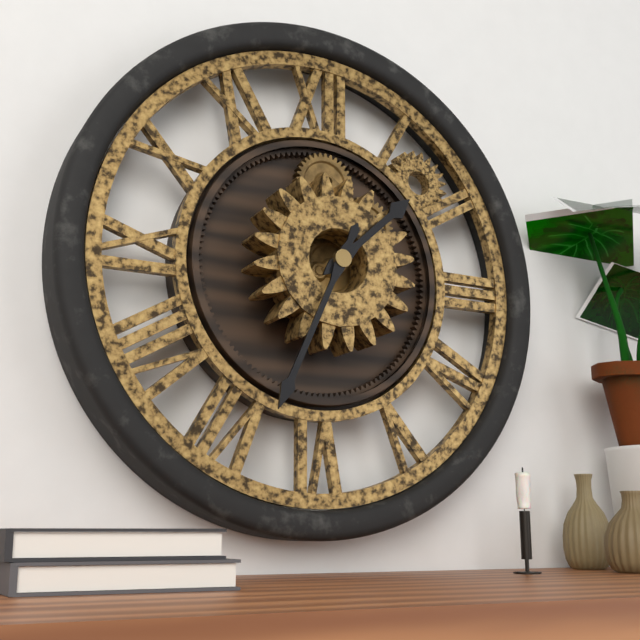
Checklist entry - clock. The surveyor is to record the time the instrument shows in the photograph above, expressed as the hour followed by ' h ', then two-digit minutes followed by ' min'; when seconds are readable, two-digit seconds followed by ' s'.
1 h 34 min
